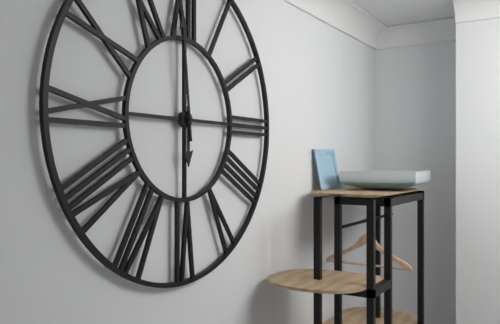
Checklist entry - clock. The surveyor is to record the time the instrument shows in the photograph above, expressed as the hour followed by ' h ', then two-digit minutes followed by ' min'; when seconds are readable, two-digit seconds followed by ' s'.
5 h 59 min
